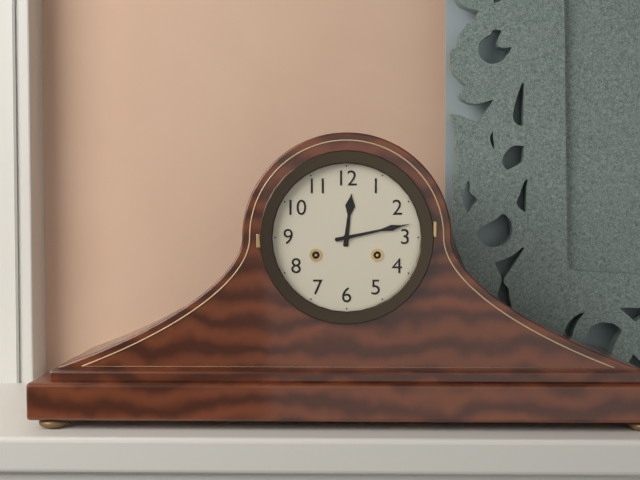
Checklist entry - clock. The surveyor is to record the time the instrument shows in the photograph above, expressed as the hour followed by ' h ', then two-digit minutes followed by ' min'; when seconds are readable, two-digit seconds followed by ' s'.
12 h 13 min
